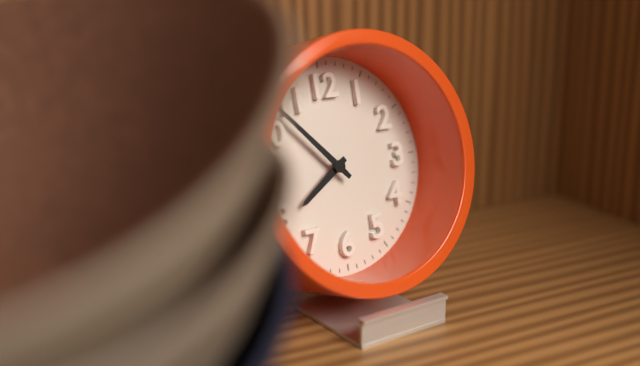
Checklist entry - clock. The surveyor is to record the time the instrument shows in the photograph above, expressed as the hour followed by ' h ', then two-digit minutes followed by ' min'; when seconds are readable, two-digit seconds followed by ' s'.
7 h 53 min
